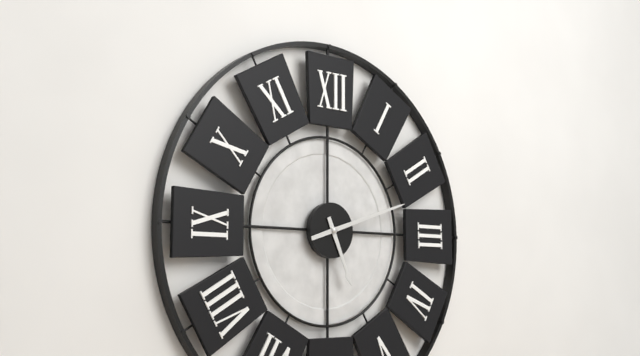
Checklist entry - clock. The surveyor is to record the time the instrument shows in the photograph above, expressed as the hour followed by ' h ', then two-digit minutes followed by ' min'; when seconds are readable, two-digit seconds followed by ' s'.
5 h 12 min
